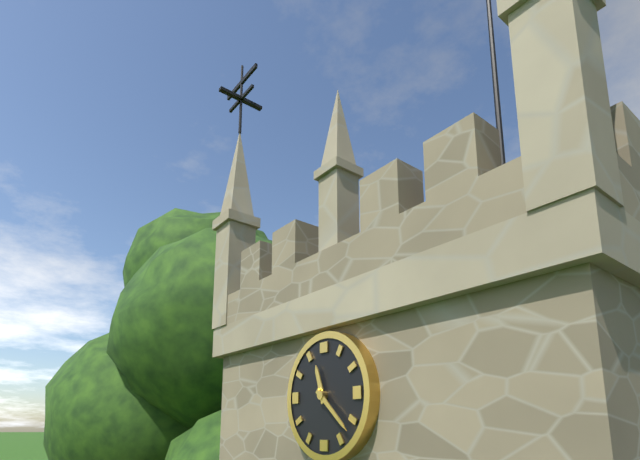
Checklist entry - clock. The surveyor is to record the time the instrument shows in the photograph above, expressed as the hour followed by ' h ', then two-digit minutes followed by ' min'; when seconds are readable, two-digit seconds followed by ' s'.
11 h 22 min
